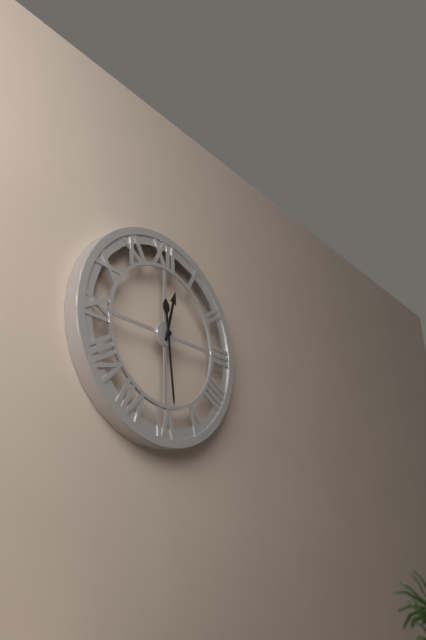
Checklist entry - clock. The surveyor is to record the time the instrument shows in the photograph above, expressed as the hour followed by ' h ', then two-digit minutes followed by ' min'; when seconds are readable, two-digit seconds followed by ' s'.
12 h 29 min
